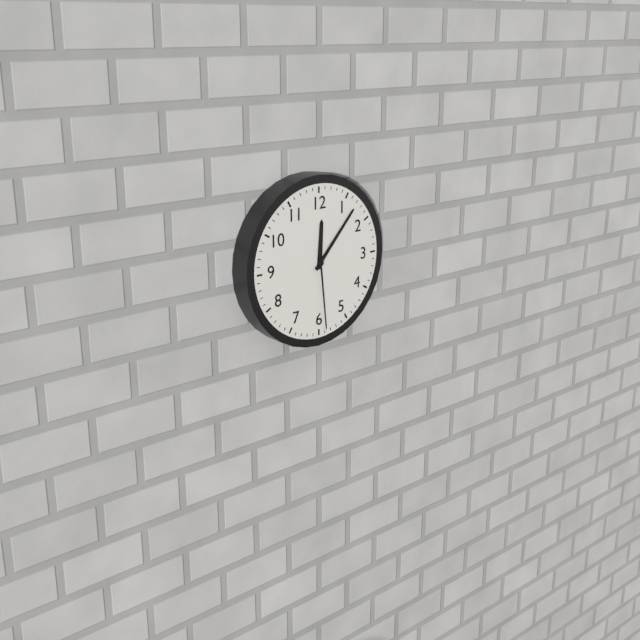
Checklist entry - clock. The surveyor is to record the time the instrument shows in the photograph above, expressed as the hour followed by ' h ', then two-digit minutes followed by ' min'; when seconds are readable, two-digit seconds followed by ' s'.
12 h 07 min 29 s
